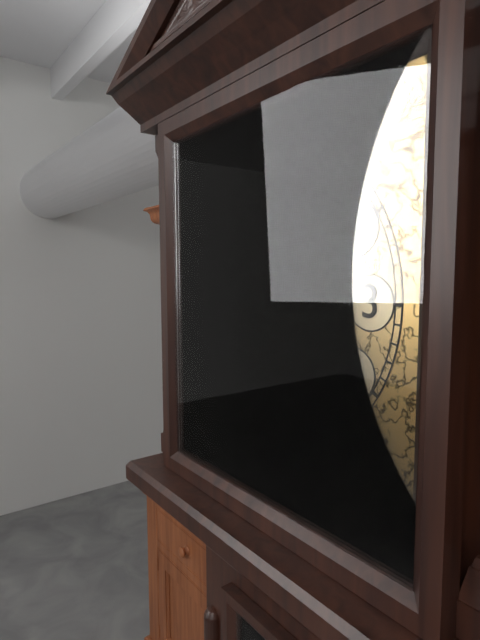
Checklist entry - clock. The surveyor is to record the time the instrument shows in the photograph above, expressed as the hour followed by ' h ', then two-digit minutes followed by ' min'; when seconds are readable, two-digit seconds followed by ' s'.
5 h 09 min
